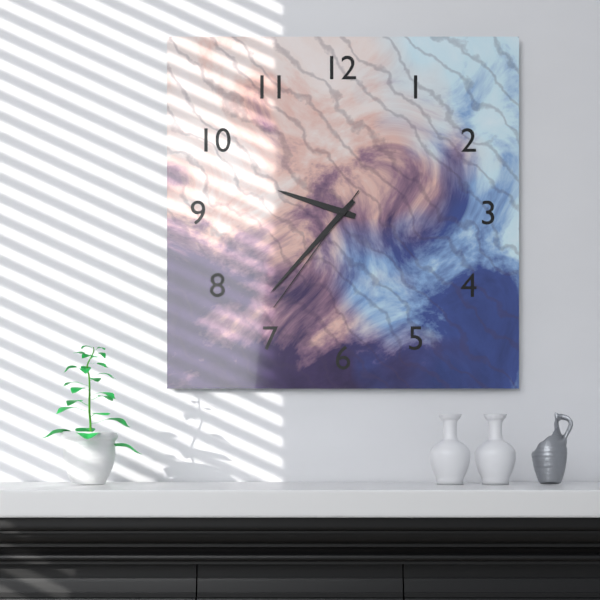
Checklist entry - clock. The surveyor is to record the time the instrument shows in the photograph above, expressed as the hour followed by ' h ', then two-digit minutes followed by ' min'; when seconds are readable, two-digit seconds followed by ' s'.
9 h 37 min 36 s
